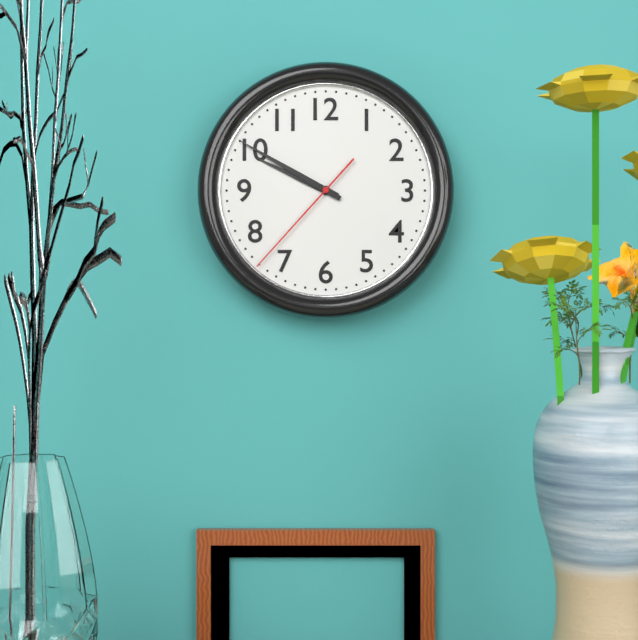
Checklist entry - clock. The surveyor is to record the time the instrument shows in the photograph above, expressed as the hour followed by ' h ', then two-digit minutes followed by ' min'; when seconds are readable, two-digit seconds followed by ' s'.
9 h 50 min 37 s
